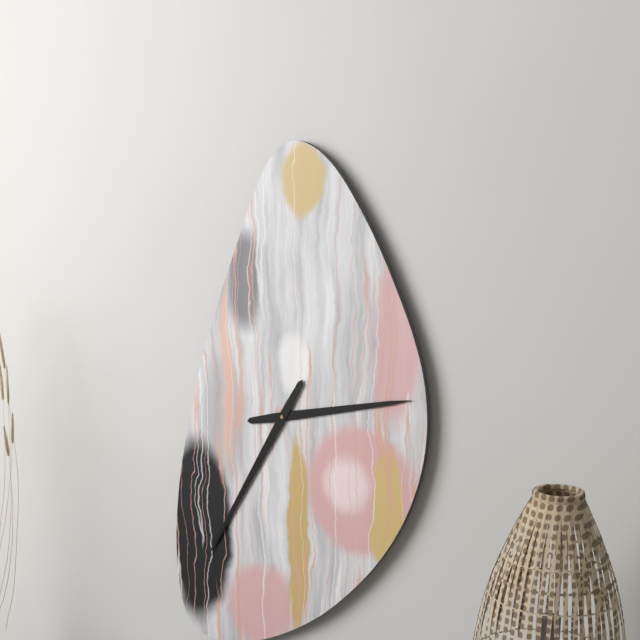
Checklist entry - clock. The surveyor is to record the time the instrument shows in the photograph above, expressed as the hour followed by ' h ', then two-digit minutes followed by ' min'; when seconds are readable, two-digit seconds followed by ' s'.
2 h 35 min
